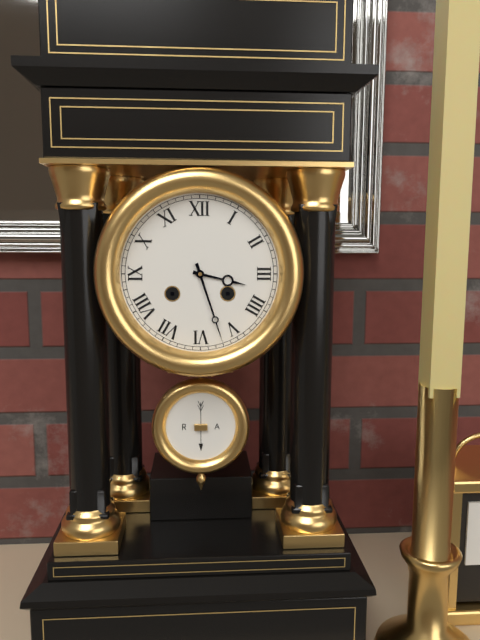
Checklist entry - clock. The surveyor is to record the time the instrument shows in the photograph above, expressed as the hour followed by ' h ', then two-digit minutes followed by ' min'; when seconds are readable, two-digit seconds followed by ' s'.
3 h 27 min
